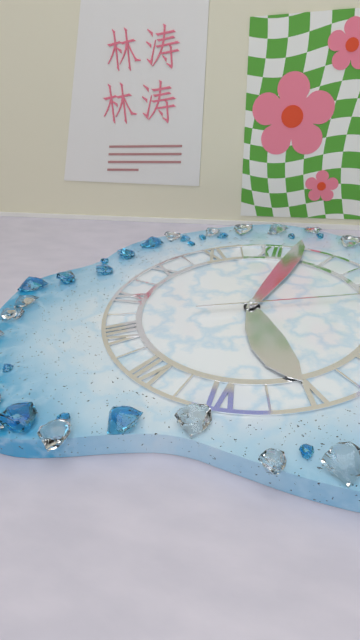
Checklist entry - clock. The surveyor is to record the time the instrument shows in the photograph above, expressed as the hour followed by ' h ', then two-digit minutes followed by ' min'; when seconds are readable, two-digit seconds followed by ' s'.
5 h 02 min
